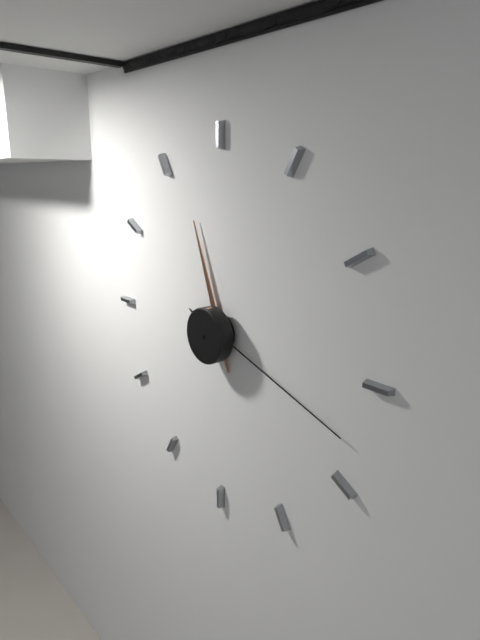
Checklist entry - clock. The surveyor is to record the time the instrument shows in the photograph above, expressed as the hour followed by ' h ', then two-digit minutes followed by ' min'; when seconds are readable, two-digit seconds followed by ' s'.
11 h 18 min
